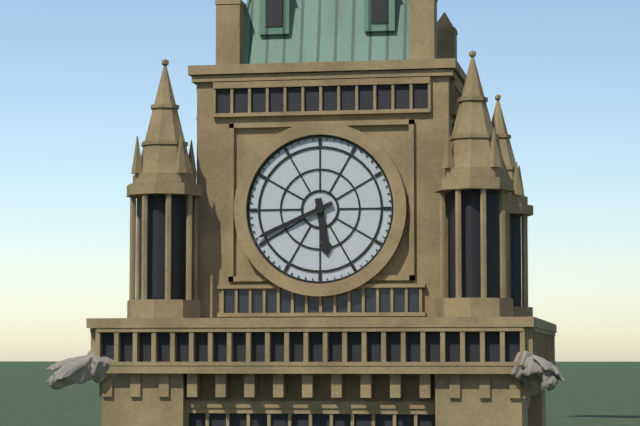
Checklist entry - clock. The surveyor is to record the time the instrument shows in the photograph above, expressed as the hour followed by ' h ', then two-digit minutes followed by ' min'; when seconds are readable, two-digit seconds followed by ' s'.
5 h 41 min
